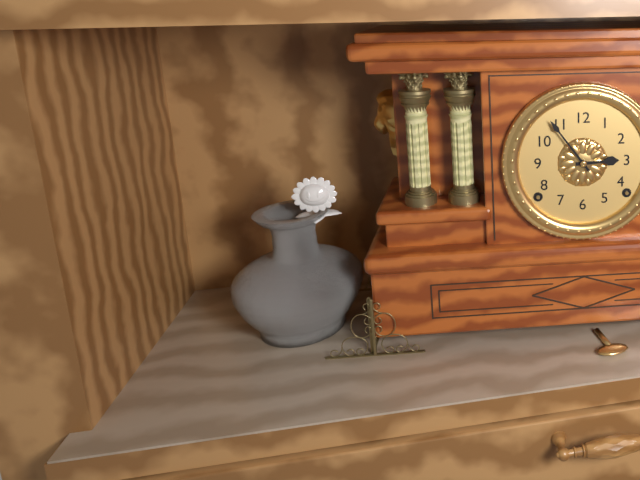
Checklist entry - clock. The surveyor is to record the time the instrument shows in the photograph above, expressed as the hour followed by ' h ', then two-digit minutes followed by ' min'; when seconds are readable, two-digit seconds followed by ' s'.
2 h 54 min
